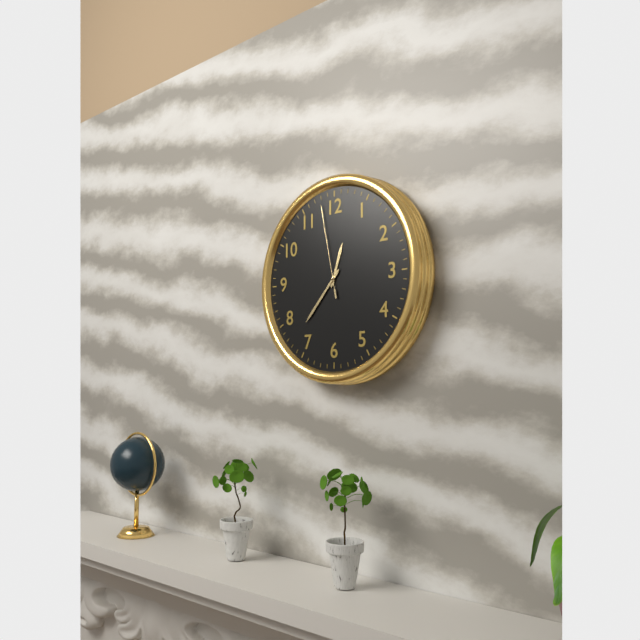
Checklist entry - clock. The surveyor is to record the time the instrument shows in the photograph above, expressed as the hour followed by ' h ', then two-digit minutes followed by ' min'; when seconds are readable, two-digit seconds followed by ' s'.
12 h 37 min 58 s
